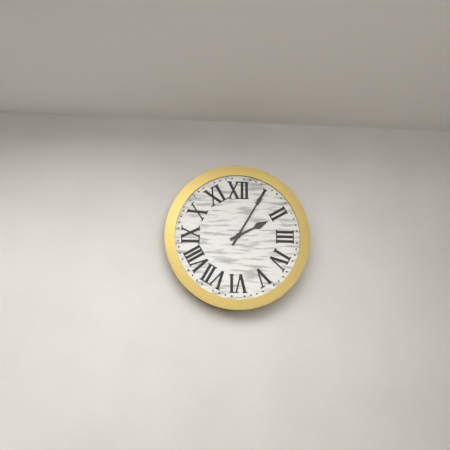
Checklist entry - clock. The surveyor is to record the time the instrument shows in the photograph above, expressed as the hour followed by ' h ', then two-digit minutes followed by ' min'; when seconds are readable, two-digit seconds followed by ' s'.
2 h 05 min
